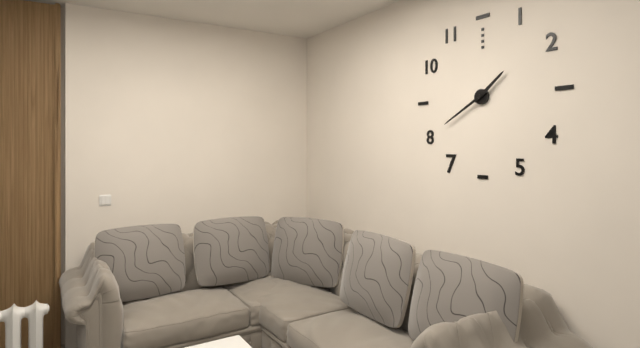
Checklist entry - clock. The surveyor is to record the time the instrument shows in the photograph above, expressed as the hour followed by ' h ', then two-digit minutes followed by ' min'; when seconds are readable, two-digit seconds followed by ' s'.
1 h 40 min
